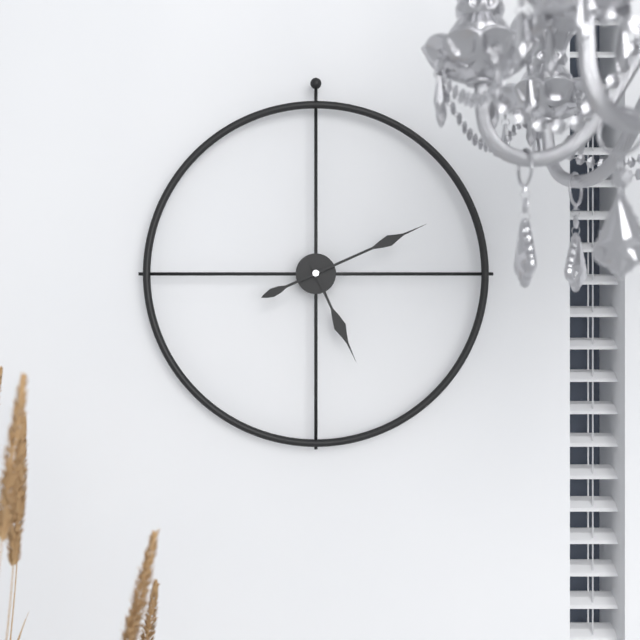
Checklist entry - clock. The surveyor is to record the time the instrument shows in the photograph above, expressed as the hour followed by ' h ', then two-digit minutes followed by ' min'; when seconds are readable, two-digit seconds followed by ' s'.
5 h 11 min
